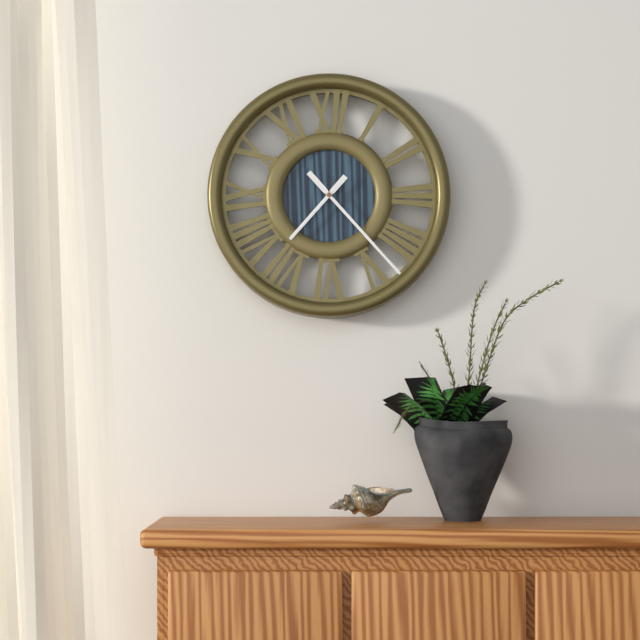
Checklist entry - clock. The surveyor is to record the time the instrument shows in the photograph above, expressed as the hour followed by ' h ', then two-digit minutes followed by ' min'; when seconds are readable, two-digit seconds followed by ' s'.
7 h 23 min
